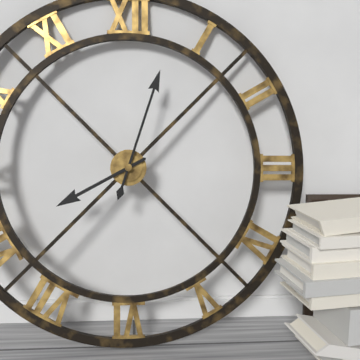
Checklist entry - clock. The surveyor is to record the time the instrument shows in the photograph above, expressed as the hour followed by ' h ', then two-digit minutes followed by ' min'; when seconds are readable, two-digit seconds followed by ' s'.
8 h 03 min
